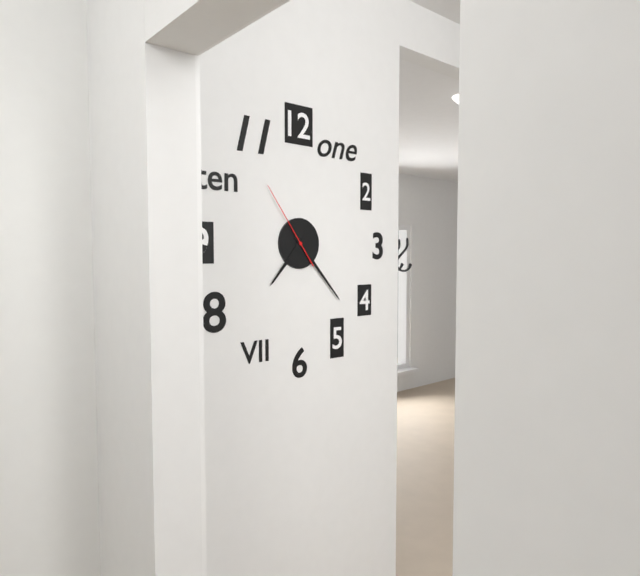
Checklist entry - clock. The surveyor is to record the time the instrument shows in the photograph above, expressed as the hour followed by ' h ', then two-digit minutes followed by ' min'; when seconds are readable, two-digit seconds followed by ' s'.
7 h 23 min 54 s
